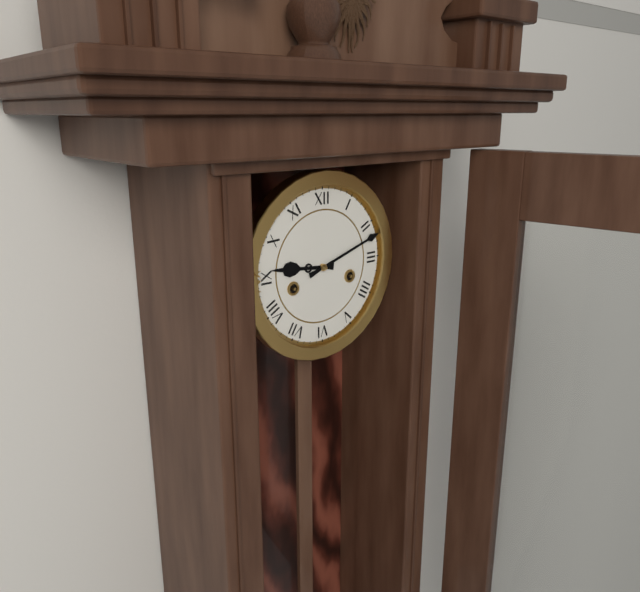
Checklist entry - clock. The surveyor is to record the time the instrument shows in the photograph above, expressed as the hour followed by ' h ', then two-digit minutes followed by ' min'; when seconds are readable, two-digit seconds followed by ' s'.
9 h 12 min
